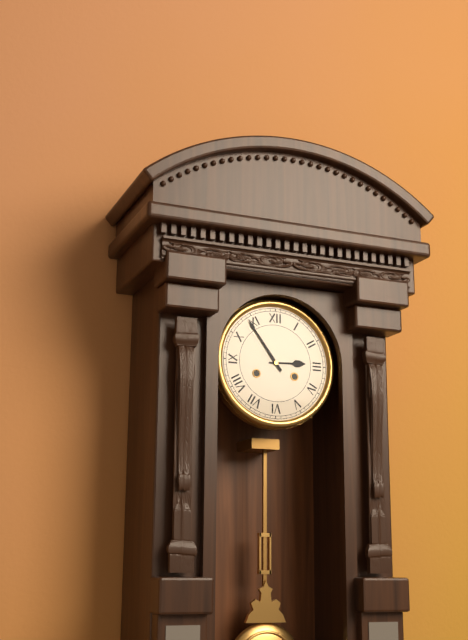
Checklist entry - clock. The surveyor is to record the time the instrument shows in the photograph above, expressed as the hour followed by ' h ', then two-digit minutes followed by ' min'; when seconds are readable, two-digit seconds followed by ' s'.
2 h 54 min
